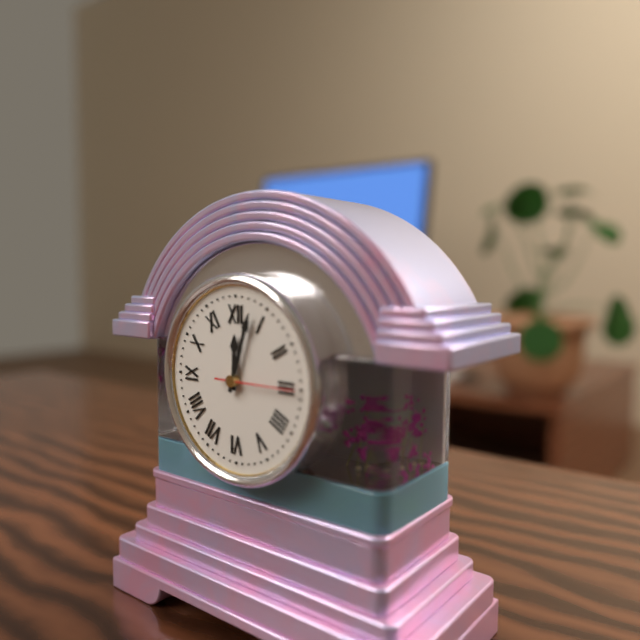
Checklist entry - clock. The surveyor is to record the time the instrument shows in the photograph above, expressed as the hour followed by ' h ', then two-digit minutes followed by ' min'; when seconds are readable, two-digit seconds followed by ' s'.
12 h 03 min
